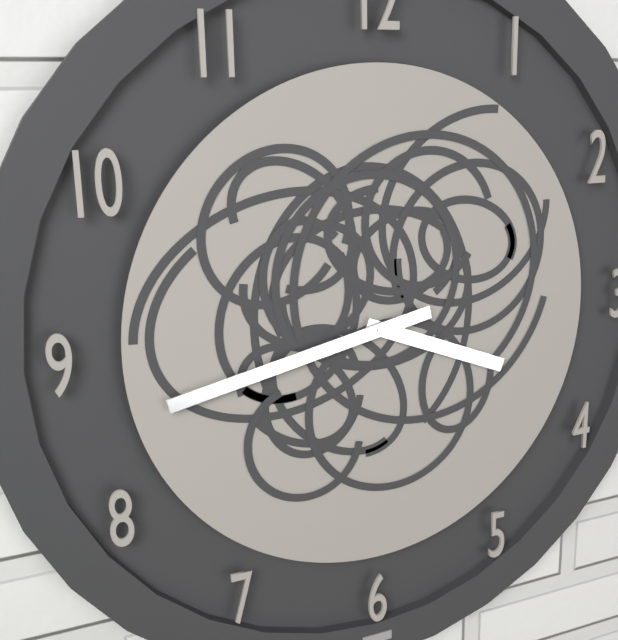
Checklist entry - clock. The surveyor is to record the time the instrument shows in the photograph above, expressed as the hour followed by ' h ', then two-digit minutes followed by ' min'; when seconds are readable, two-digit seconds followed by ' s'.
3 h 43 min
